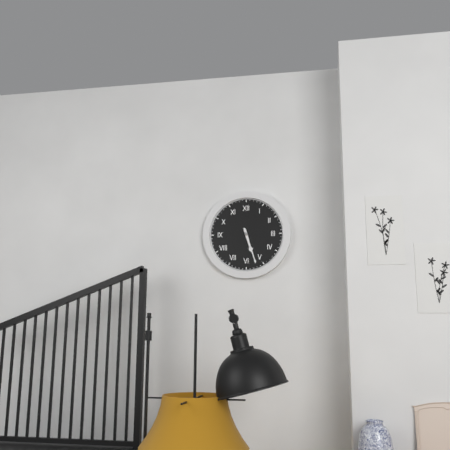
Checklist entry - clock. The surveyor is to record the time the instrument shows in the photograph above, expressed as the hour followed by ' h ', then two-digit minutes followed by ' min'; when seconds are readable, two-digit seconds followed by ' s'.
5 h 27 min
